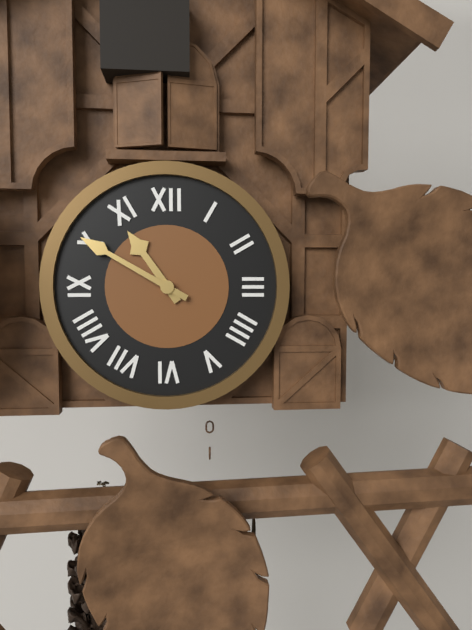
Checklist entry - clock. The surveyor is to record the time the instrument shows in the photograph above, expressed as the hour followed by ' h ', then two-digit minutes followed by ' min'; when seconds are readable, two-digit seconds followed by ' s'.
10 h 50 min
